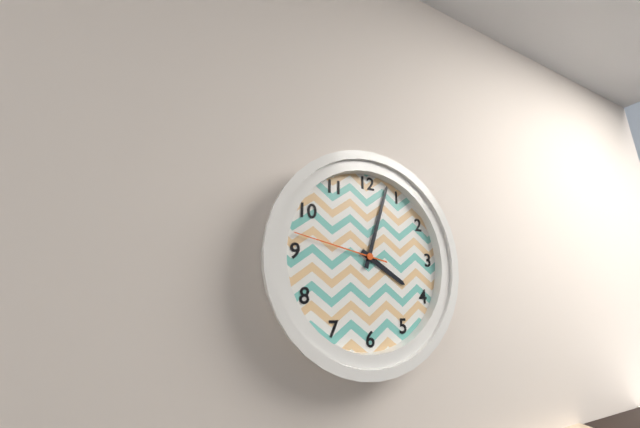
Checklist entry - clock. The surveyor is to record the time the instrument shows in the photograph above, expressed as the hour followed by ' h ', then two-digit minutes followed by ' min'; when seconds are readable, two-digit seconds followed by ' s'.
4 h 03 min 47 s
